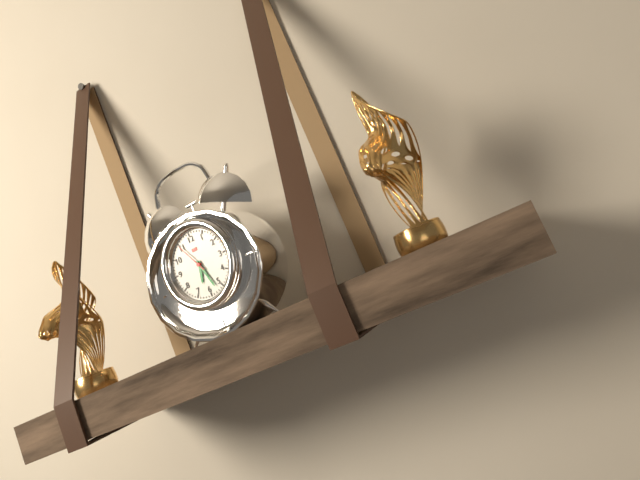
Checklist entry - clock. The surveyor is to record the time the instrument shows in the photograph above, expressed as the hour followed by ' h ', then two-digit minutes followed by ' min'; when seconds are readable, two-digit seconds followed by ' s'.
6 h 27 min
